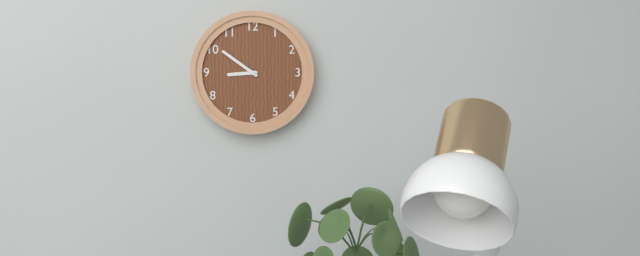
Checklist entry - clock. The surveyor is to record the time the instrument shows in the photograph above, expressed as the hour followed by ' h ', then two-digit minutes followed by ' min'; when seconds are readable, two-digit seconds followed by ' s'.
8 h 51 min
